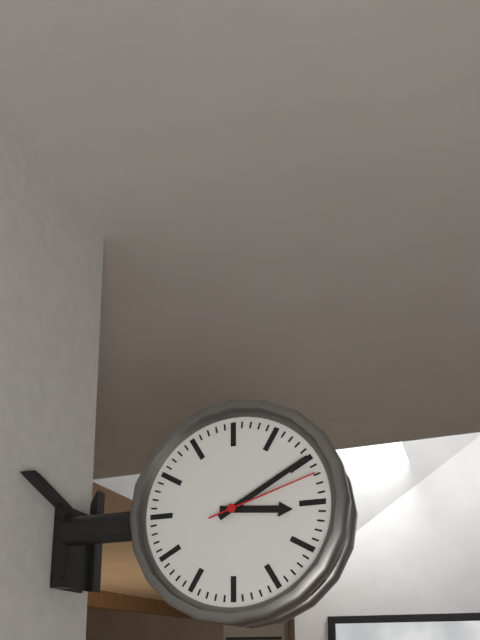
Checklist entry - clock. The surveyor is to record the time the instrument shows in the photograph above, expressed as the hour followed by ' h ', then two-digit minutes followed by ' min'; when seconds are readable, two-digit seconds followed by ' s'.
3 h 10 min 12 s
